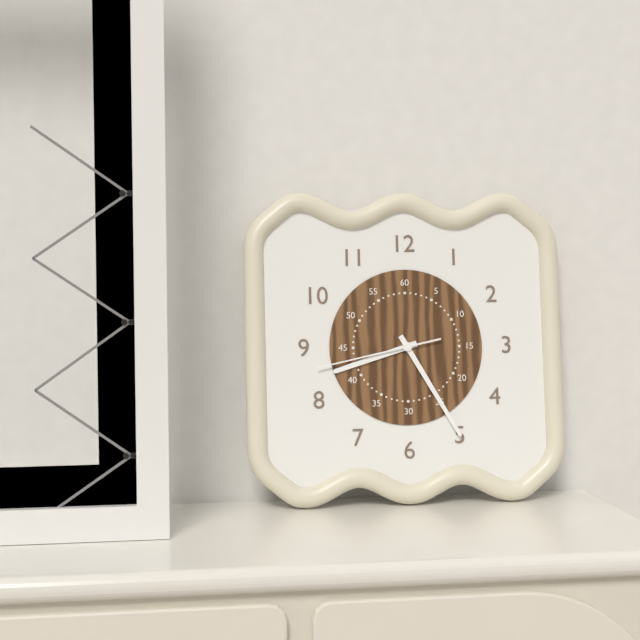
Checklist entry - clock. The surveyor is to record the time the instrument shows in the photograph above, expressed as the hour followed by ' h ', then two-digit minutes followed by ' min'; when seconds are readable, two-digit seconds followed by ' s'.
8 h 25 min 43 s
